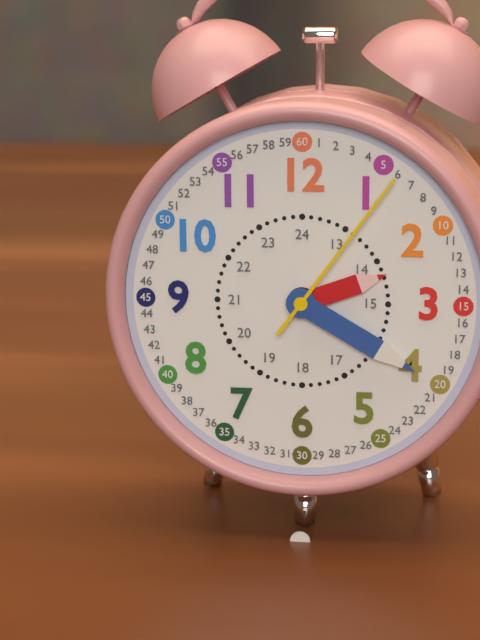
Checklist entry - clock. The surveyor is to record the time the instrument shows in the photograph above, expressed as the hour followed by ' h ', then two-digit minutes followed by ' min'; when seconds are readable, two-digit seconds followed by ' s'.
2 h 20 min 06 s
